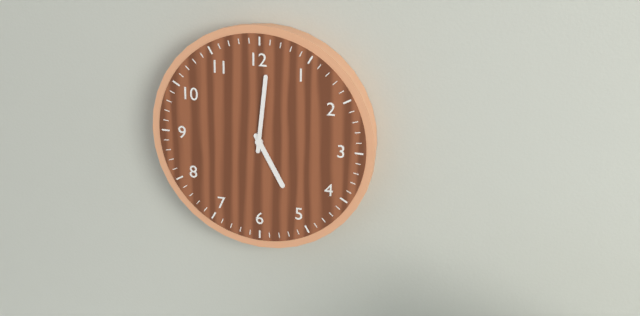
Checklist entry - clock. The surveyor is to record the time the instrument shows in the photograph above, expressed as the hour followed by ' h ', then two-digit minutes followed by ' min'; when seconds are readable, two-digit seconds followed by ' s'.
5 h 01 min
